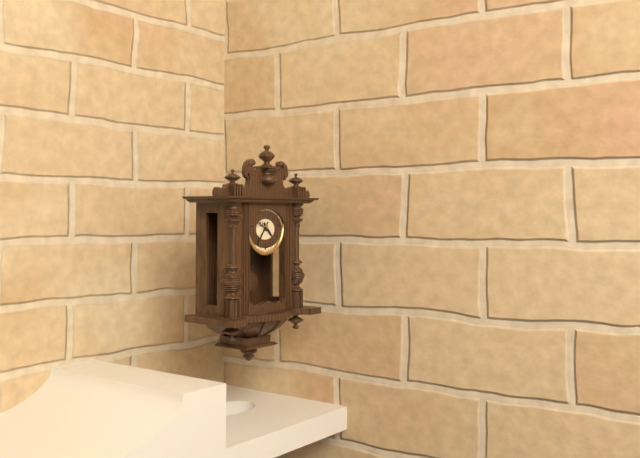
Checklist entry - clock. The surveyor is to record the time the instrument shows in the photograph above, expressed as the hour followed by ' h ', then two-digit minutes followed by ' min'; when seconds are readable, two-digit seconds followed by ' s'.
4 h 36 min
